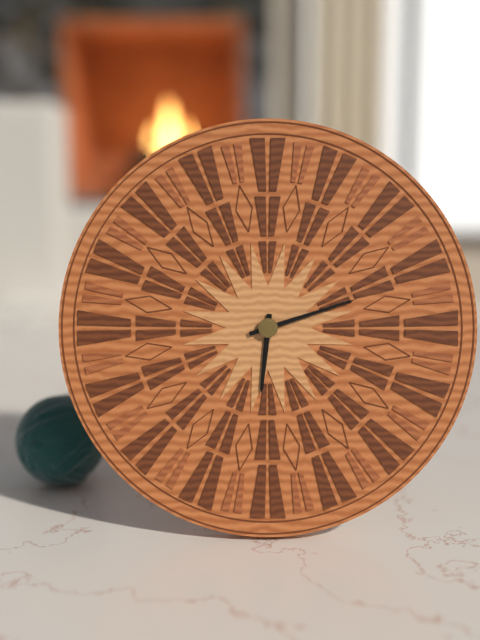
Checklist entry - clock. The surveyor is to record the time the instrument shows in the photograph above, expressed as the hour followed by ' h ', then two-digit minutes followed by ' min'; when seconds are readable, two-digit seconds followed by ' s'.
6 h 12 min
